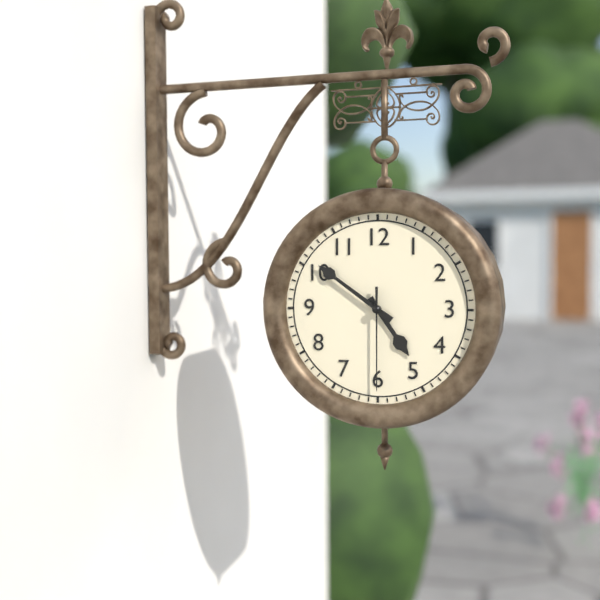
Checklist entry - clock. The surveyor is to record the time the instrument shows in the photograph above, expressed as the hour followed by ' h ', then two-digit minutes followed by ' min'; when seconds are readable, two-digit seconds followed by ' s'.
4 h 51 min 30 s
